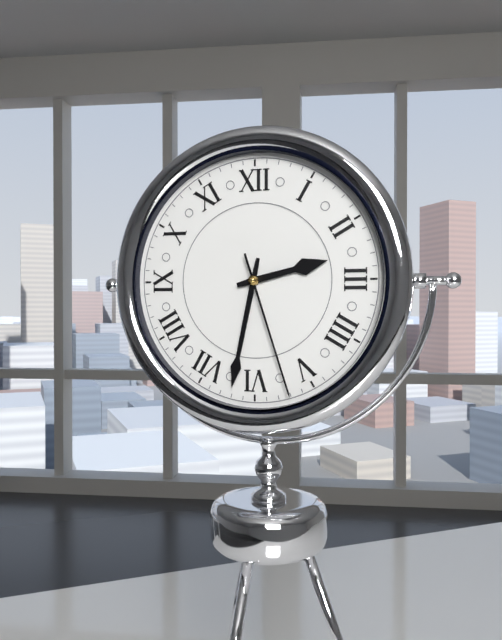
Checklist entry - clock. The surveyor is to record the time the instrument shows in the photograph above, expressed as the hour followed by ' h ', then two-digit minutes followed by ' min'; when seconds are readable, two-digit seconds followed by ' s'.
2 h 32 min 27 s
